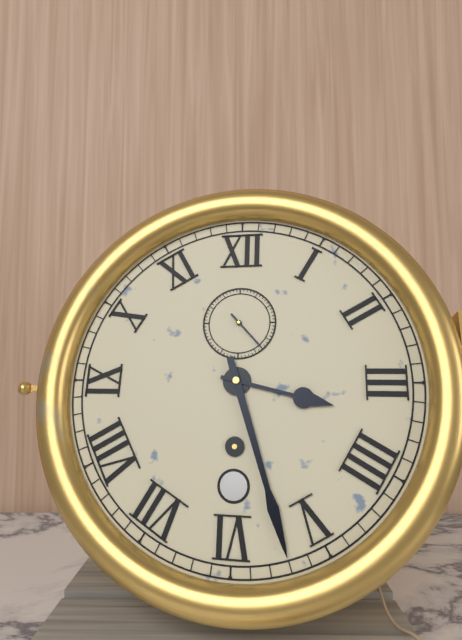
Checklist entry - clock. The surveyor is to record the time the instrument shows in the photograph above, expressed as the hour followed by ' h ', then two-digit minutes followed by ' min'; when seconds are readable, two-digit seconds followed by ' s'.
3 h 27 min
